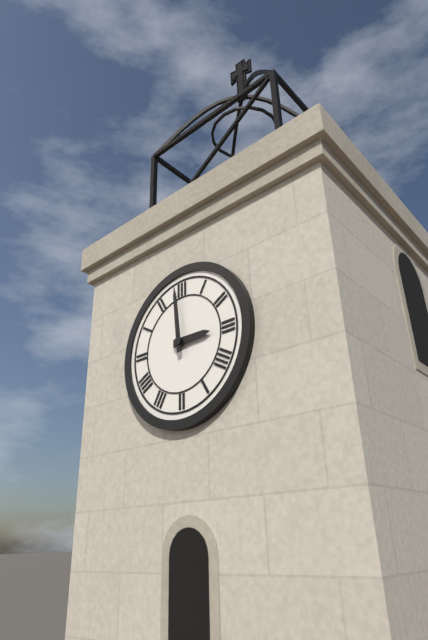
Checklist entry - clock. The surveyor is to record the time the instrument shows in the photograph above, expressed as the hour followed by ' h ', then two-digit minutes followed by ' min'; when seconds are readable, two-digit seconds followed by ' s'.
2 h 59 min
